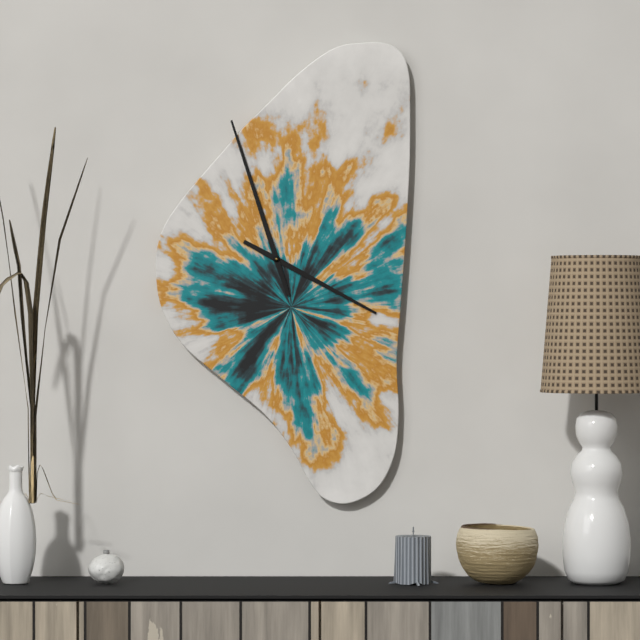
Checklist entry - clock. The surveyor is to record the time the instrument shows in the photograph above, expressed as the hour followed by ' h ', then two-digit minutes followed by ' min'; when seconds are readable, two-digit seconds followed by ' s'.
3 h 57 min
